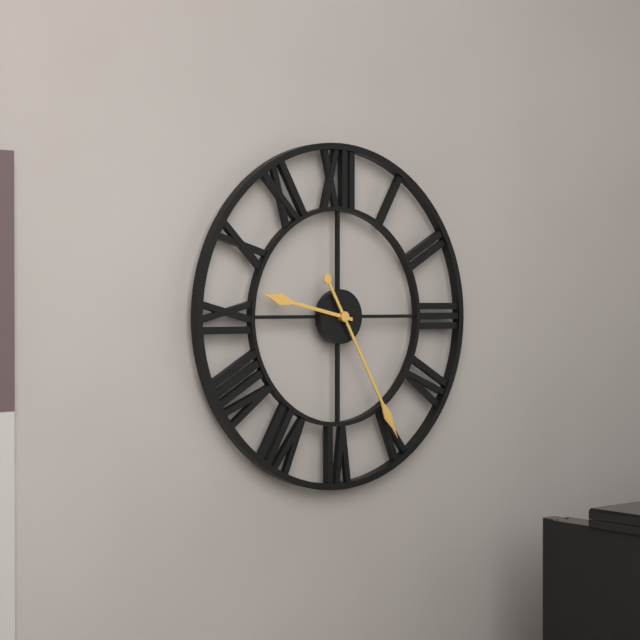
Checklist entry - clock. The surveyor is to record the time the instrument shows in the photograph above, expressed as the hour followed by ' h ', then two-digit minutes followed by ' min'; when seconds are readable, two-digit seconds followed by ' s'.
9 h 25 min
